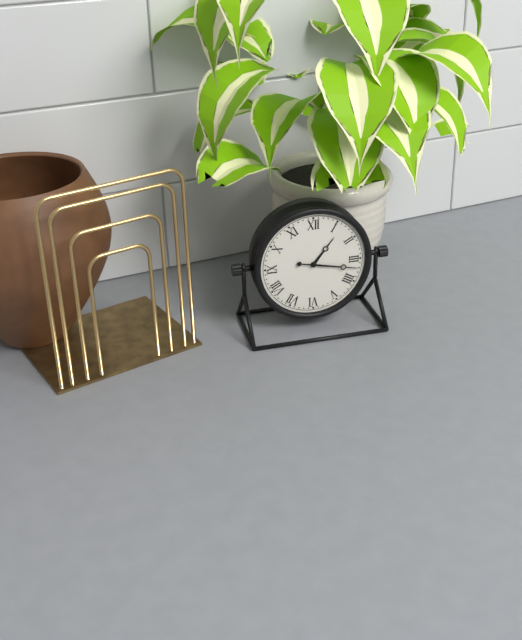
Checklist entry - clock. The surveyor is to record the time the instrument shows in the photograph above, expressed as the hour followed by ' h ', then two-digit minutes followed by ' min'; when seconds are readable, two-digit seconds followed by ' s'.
1 h 17 min
